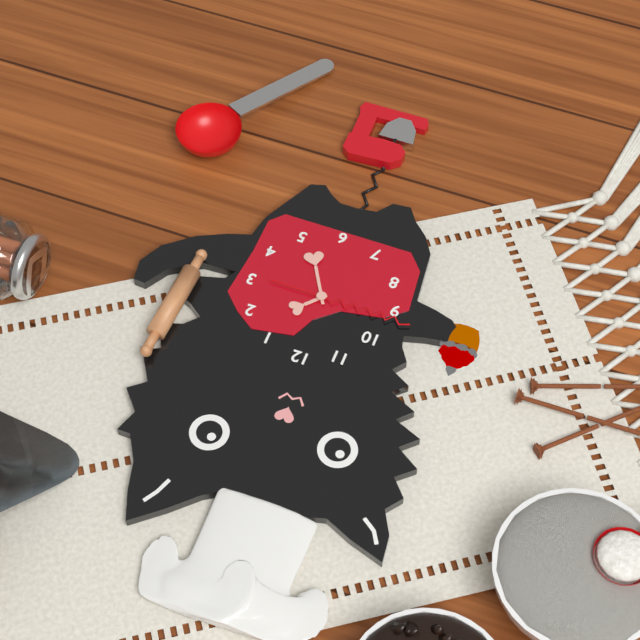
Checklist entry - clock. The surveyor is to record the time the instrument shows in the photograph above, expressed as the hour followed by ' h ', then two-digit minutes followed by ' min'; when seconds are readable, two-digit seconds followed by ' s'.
1 h 25 min 45 s
